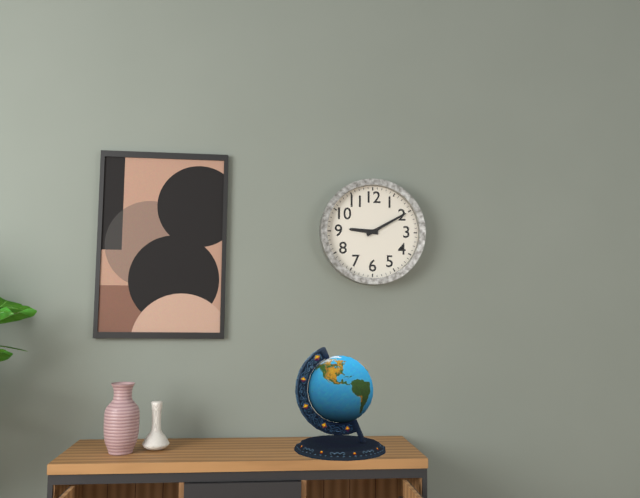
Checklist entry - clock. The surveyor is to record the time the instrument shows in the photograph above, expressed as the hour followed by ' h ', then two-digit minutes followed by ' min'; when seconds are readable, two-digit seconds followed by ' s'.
9 h 10 min
